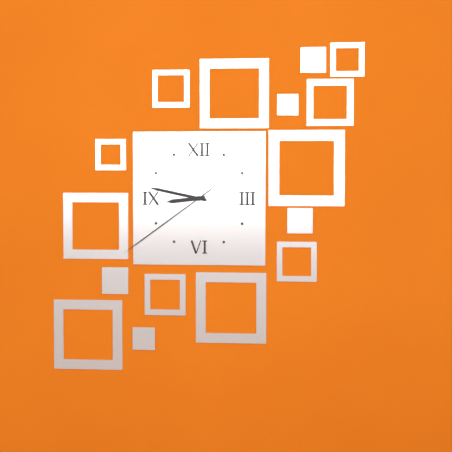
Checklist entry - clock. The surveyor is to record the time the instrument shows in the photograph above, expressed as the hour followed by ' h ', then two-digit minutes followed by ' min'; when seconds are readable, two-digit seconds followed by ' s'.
8 h 47 min 39 s
